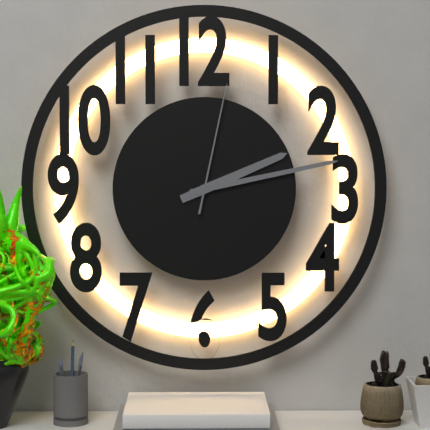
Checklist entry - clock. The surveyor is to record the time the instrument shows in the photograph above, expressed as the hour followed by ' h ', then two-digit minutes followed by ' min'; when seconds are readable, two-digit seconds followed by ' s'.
2 h 13 min 02 s
